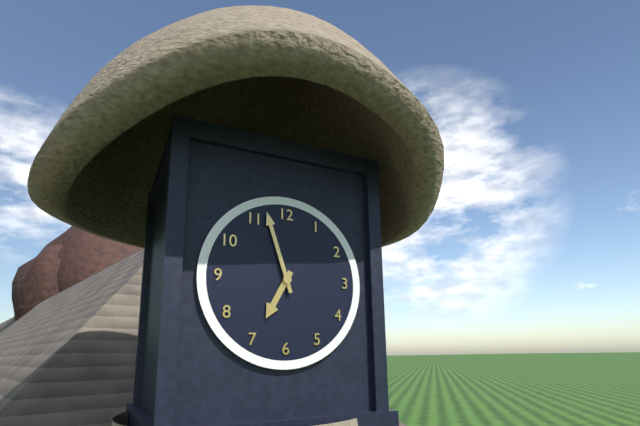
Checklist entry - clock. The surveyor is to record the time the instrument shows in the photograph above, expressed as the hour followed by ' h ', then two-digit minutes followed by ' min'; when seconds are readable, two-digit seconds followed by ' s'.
6 h 57 min
